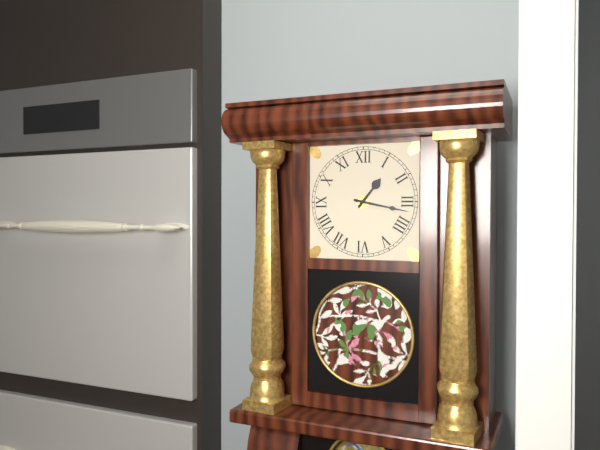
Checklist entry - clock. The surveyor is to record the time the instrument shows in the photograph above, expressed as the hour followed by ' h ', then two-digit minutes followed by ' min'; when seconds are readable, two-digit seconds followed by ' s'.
1 h 17 min
